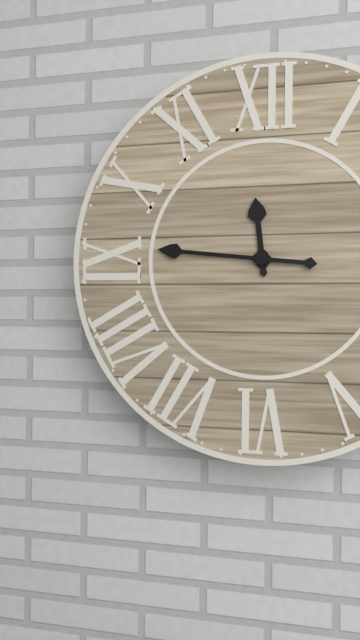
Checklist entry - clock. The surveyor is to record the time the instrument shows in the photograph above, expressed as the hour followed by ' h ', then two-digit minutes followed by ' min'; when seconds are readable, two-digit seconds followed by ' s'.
11 h 46 min
